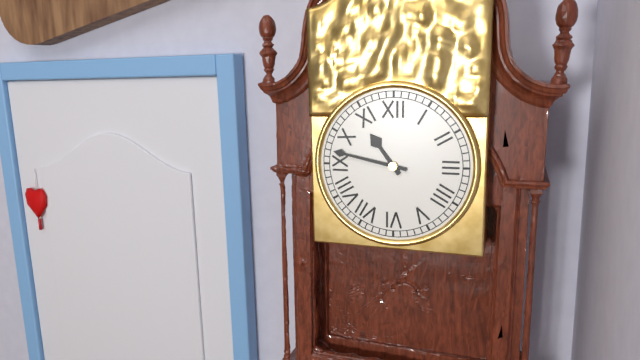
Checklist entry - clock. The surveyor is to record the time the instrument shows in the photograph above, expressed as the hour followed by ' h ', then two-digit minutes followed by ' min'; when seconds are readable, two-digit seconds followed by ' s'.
10 h 47 min
